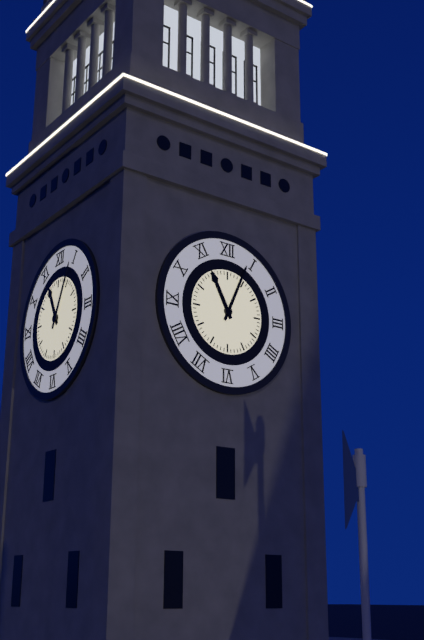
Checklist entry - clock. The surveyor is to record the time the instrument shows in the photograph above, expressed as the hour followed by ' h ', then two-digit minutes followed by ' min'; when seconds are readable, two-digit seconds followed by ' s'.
11 h 04 min
